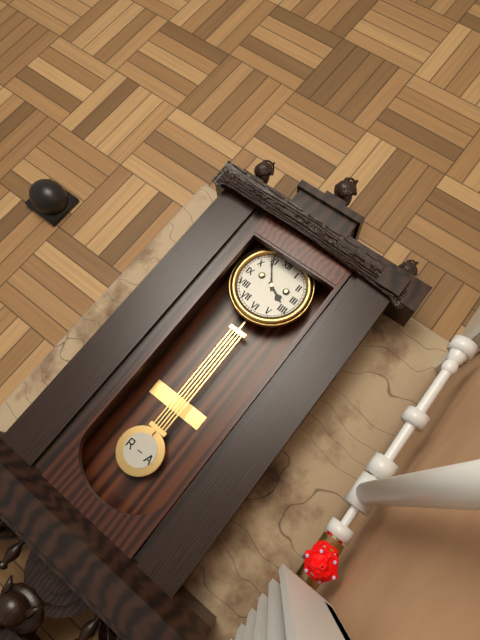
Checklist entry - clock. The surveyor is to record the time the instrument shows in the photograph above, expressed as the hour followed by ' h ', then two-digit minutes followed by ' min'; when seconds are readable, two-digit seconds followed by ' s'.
3 h 54 min
